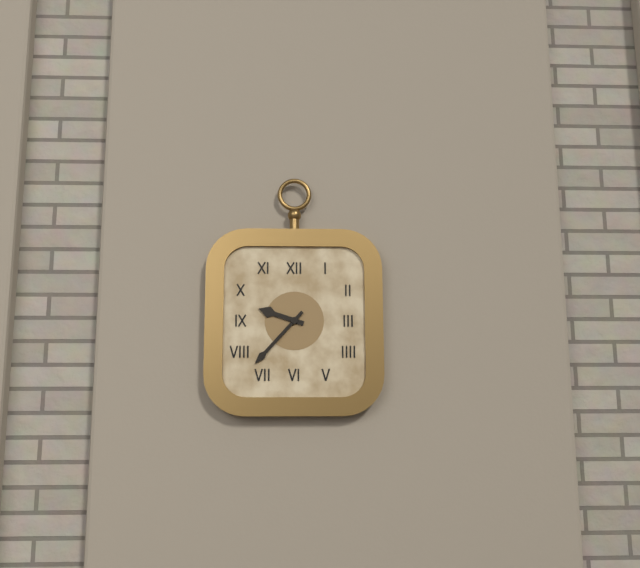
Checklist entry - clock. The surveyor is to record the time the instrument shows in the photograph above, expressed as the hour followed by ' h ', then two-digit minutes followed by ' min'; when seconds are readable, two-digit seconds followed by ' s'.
9 h 37 min
